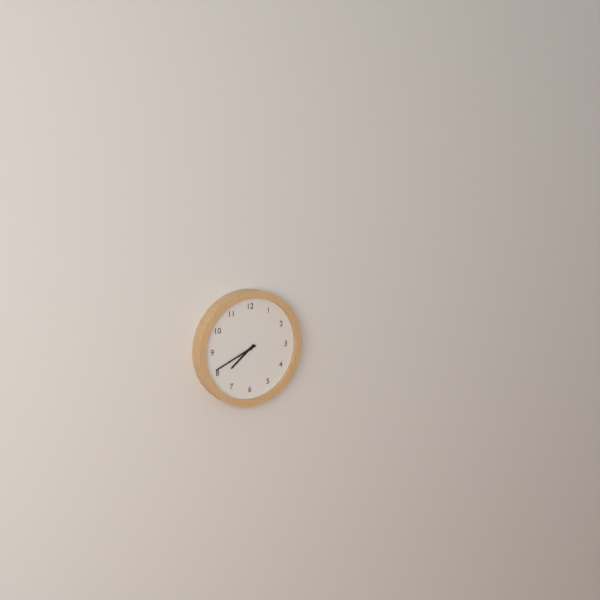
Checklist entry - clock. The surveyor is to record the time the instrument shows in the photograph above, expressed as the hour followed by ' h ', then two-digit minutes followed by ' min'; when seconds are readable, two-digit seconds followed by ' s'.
7 h 41 min
